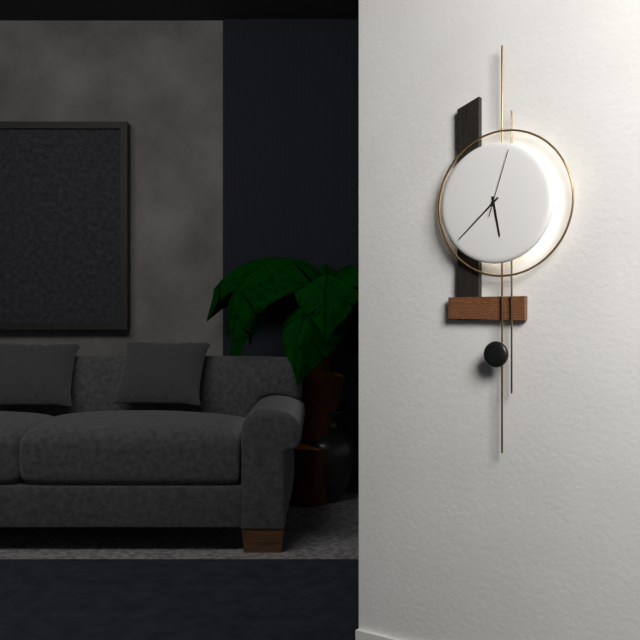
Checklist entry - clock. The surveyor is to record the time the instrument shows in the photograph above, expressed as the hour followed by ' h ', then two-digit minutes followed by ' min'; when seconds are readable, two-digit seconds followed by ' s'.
5 h 38 min 03 s
